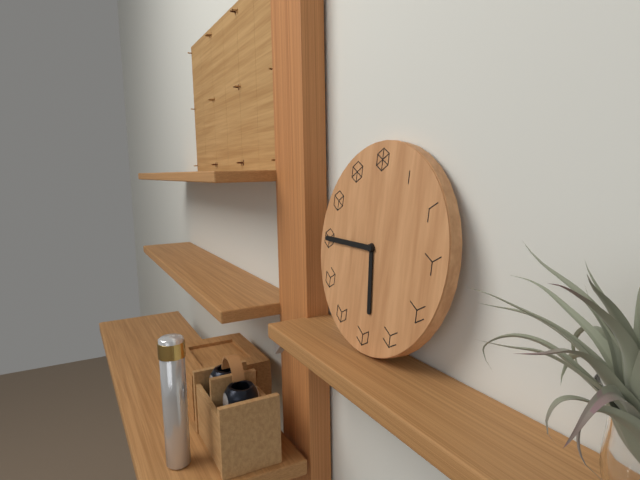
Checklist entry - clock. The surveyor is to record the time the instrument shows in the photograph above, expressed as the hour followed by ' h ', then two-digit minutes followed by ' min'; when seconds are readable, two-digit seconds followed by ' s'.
5 h 45 min
